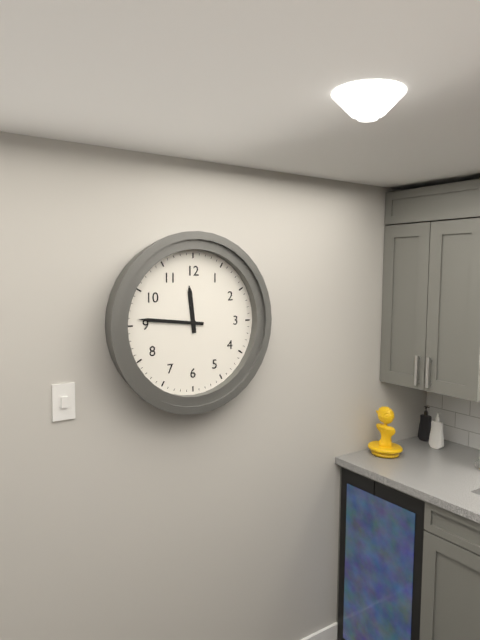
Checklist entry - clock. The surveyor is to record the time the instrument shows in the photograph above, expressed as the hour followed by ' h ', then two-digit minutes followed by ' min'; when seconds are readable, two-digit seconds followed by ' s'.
11 h 46 min
